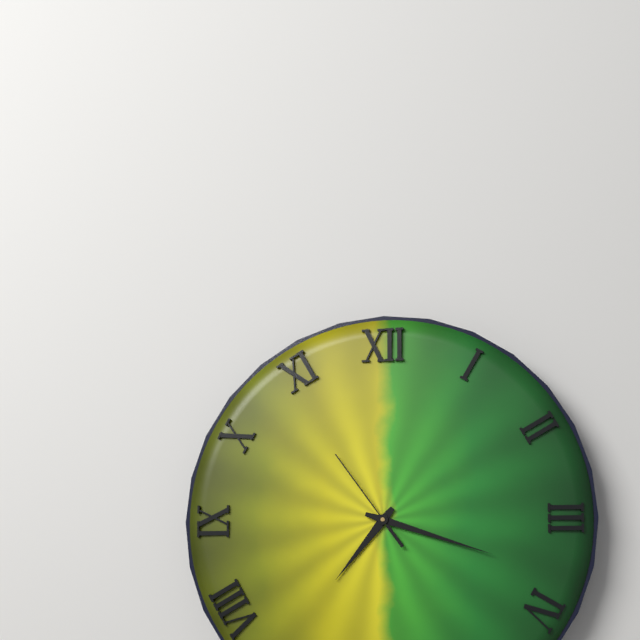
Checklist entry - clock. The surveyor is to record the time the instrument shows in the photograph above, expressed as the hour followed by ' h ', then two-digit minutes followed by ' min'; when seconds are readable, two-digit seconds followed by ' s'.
7 h 18 min 54 s
